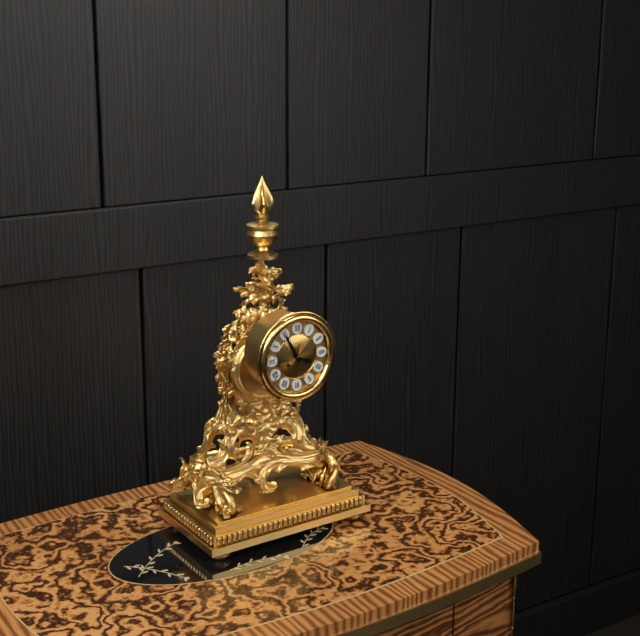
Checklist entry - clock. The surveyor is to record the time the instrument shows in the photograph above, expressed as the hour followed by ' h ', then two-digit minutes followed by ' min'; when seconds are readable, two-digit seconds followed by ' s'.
3 h 55 min
